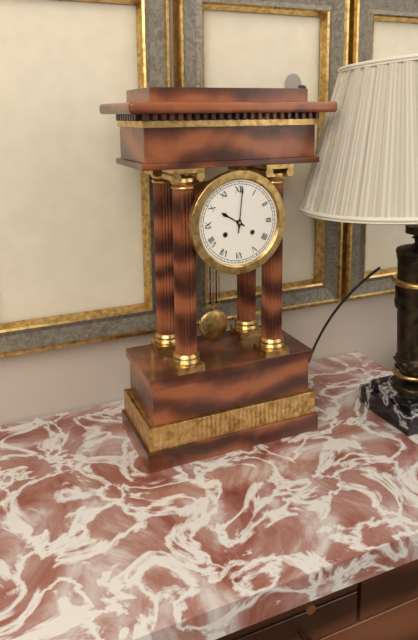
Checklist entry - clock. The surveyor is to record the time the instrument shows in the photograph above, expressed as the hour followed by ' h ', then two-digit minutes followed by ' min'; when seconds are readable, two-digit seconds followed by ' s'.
10 h 01 min
